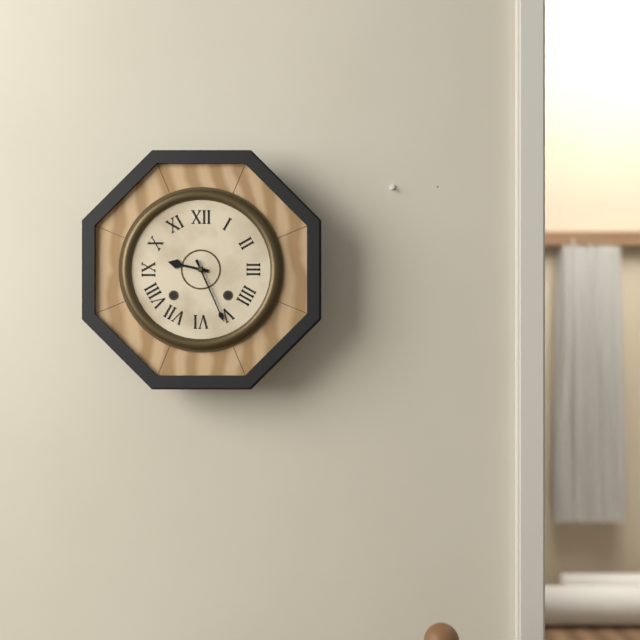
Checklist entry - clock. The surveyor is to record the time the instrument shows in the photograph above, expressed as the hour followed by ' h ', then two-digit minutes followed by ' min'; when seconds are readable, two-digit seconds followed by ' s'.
9 h 26 min
